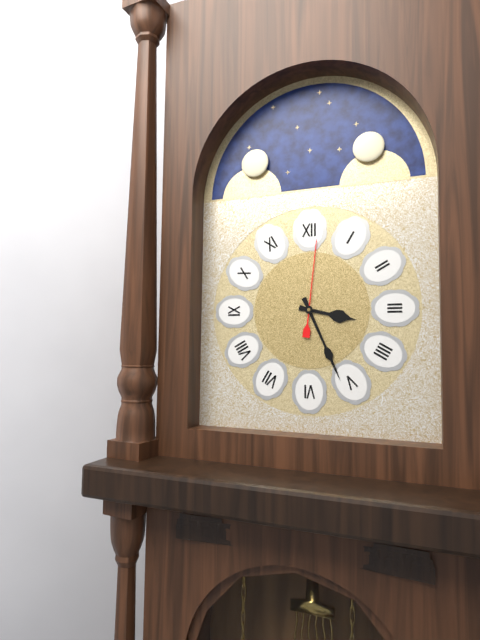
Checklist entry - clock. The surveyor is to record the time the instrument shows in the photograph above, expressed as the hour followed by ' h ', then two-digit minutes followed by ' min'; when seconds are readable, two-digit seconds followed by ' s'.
3 h 26 min 01 s
